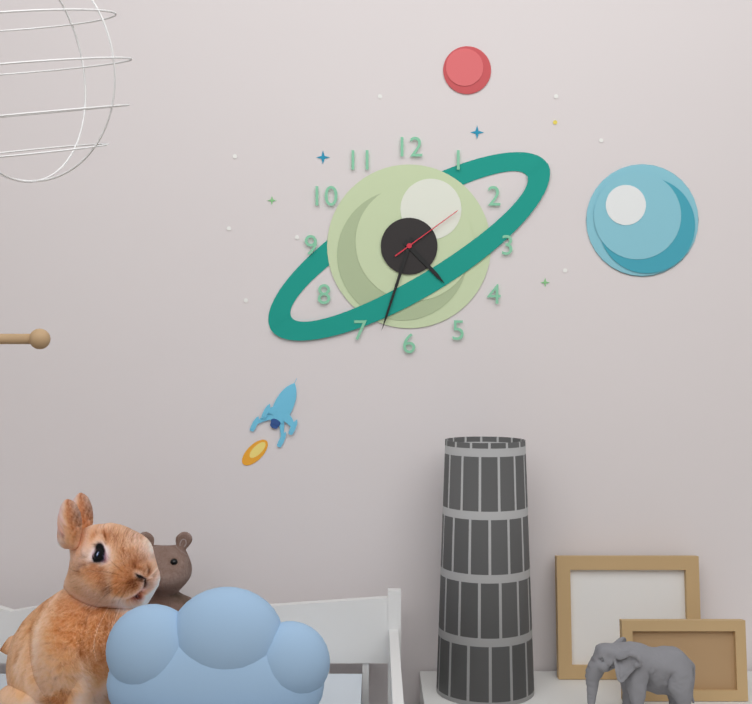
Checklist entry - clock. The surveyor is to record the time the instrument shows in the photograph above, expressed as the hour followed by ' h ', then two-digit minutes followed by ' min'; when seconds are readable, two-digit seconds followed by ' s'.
4 h 33 min 09 s
